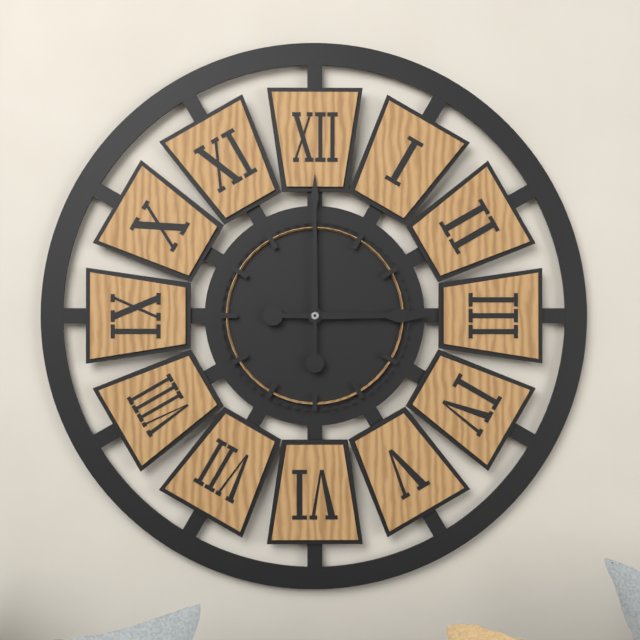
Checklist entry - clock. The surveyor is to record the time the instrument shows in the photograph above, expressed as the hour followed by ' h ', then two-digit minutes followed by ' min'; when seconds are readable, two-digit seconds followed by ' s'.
3 h 00 min
